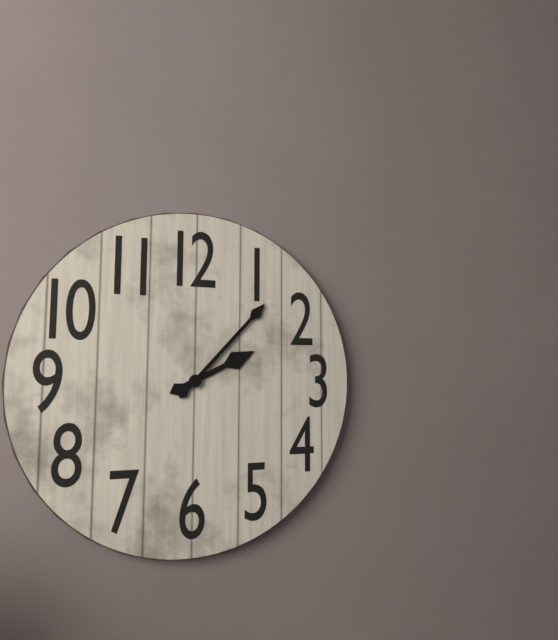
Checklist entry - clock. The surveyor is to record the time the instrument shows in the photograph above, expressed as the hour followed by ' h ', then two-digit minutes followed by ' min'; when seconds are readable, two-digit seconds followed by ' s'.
2 h 07 min
